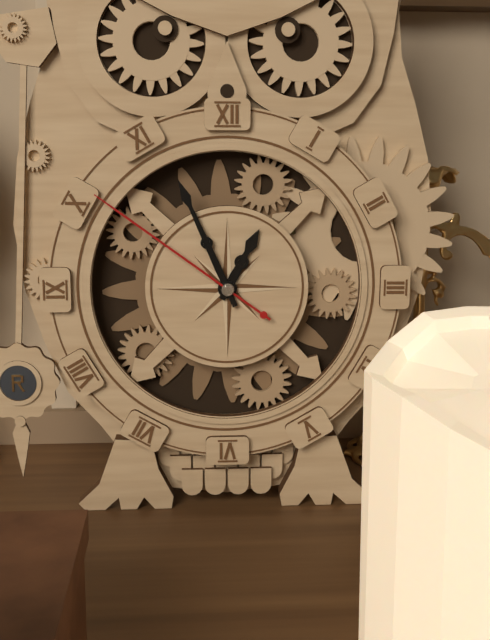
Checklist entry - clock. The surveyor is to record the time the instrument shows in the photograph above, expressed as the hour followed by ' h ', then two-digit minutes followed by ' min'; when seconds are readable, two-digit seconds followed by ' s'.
12 h 56 min 51 s
